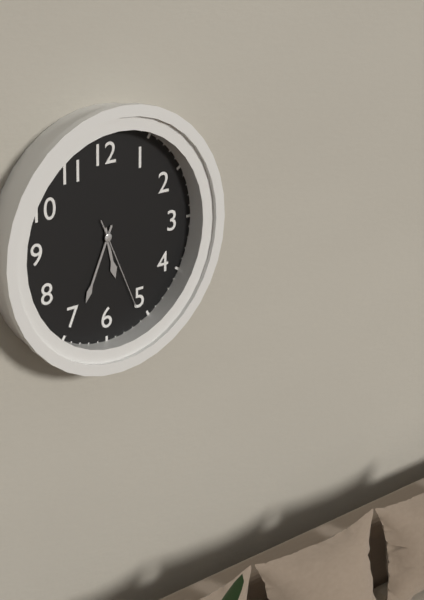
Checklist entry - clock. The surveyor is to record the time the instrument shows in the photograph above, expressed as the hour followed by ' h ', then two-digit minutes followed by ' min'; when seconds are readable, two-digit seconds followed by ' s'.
5 h 34 min 26 s
